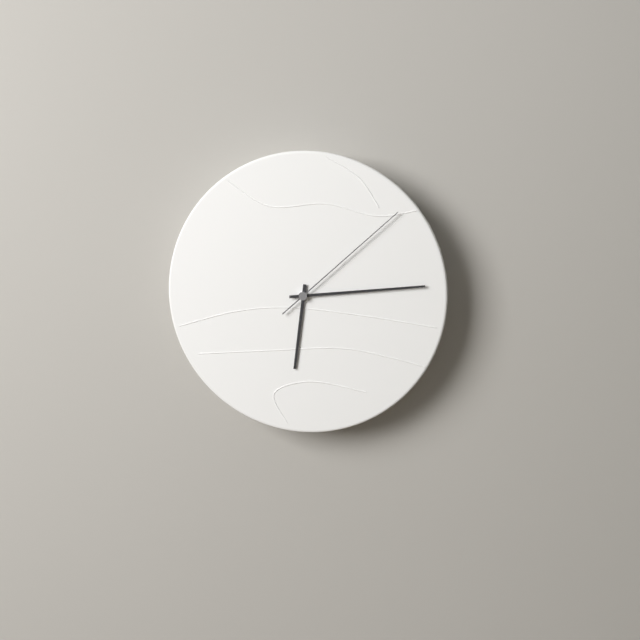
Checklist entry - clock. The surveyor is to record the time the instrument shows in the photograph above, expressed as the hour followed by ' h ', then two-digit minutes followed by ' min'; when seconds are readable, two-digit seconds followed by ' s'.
6 h 14 min 08 s
